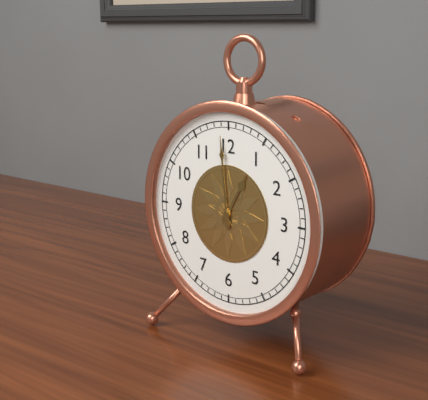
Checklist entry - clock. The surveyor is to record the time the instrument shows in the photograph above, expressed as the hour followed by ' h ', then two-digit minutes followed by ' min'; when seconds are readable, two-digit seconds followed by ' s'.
12 h 59 min
